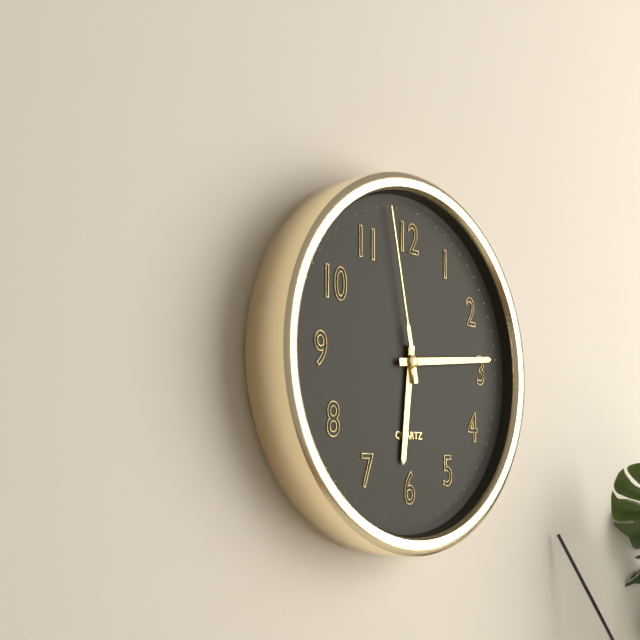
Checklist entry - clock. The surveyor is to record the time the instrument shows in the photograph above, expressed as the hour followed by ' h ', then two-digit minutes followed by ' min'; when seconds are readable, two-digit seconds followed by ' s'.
6 h 14 min 58 s
